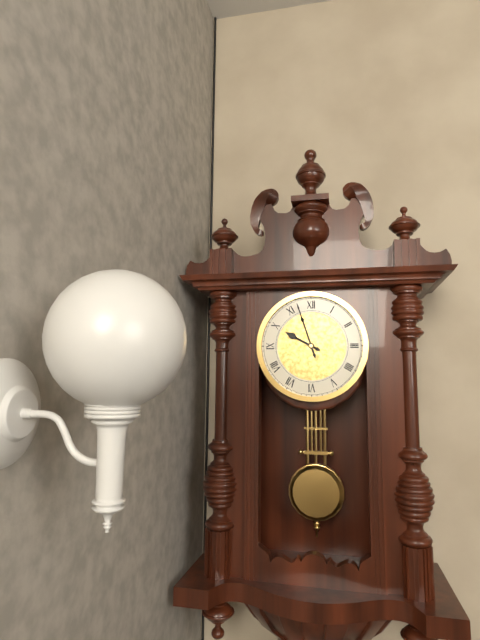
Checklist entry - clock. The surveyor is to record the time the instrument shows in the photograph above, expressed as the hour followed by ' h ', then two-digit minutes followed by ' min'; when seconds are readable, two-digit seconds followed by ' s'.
9 h 57 min
